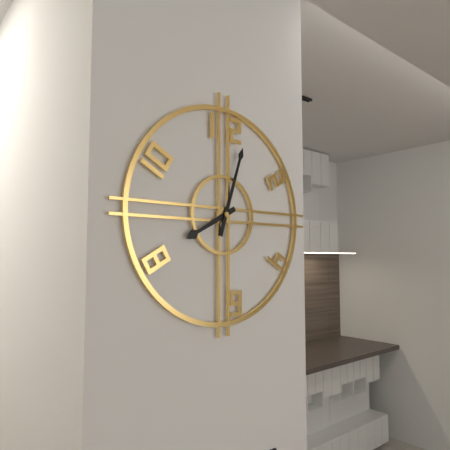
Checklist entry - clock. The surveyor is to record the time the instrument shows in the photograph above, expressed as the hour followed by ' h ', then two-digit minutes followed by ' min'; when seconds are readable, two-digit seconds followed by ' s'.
8 h 03 min
